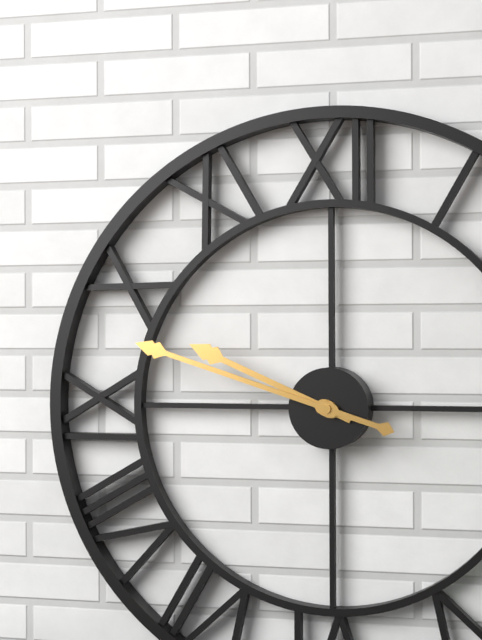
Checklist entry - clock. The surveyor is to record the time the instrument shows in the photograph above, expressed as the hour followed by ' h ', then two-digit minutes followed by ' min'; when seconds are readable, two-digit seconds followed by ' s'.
9 h 48 min
